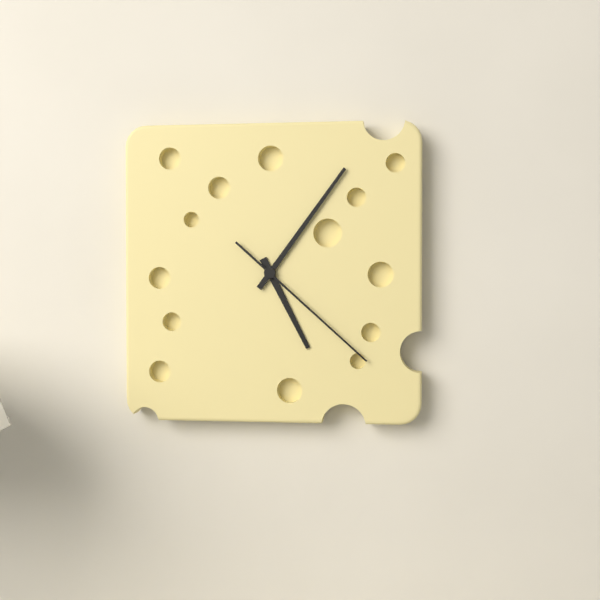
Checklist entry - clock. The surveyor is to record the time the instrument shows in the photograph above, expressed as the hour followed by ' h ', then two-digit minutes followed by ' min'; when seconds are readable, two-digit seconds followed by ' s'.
5 h 06 min 22 s
